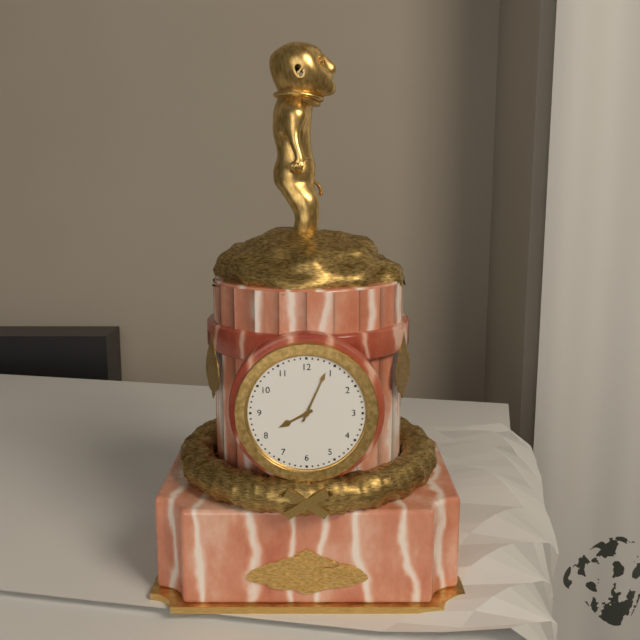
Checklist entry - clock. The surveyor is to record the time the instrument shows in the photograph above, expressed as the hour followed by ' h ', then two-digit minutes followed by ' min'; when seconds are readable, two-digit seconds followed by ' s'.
8 h 04 min
